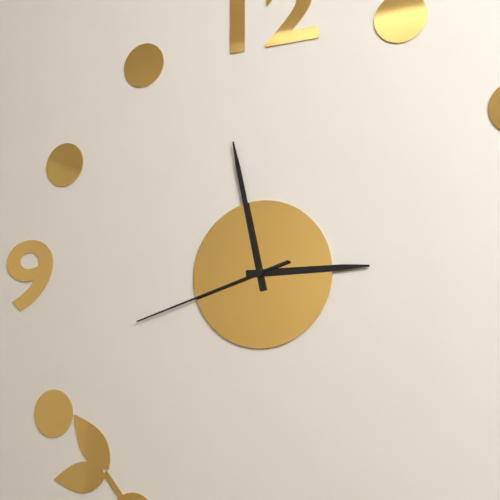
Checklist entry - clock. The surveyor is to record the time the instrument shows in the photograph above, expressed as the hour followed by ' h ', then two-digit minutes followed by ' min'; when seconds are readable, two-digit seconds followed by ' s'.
2 h 58 min 42 s
